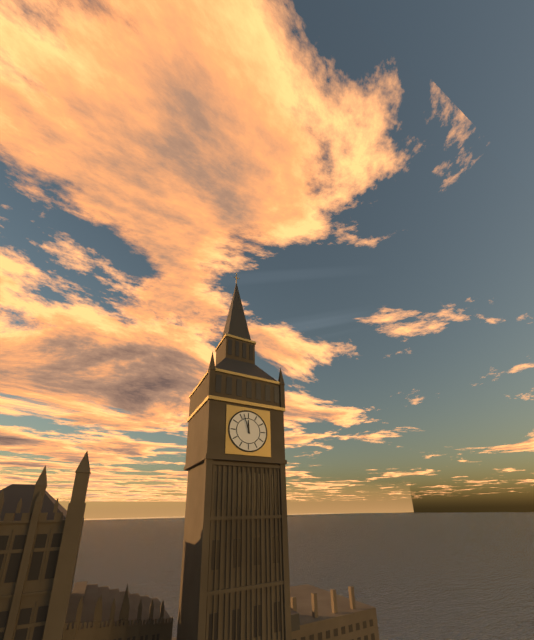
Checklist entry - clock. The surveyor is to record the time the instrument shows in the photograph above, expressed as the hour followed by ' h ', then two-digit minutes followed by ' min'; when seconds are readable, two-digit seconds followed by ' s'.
11 h 57 min
